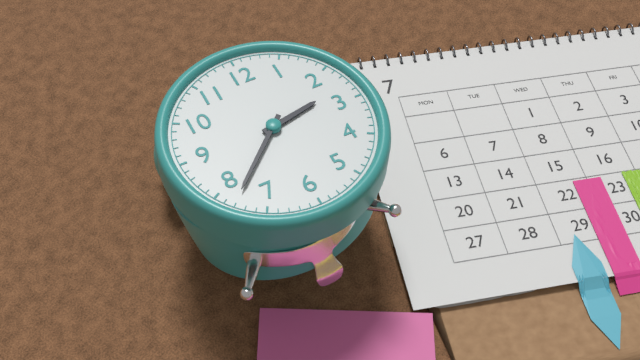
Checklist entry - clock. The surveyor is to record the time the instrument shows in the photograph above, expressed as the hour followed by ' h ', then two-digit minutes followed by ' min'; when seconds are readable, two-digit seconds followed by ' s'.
2 h 38 min
